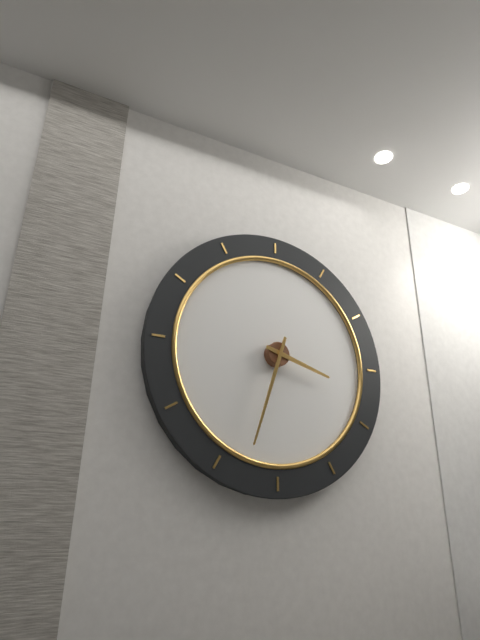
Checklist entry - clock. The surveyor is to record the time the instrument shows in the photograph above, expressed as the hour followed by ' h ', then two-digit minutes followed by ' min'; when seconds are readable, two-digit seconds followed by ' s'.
3 h 33 min
